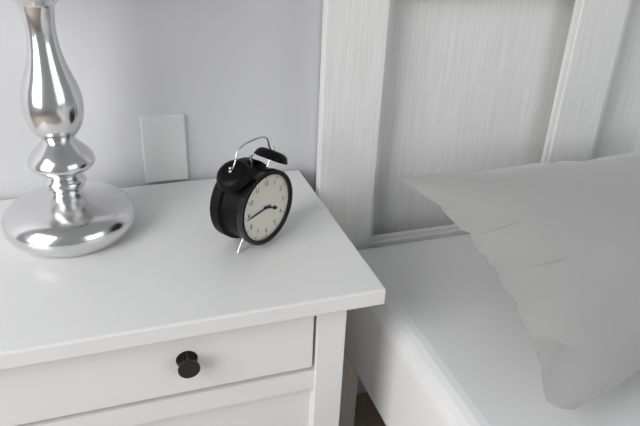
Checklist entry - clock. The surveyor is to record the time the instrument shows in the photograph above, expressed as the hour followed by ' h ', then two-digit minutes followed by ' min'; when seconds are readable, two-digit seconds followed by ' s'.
3 h 44 min
